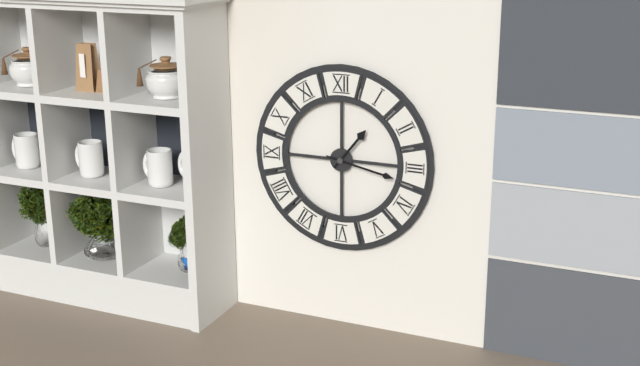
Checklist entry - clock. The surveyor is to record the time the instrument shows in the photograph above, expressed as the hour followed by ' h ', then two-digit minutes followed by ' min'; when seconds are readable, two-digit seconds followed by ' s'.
1 h 17 min
